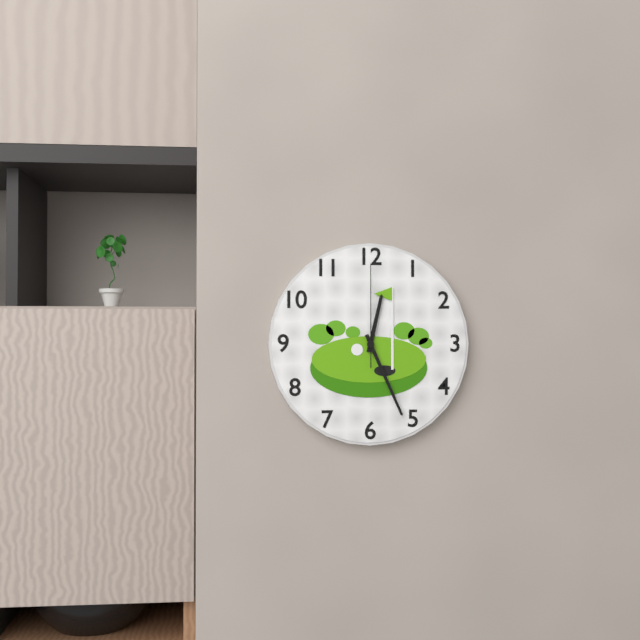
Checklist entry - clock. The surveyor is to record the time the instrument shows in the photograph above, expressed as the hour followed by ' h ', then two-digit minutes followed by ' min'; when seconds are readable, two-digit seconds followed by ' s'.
12 h 26 min 00 s
